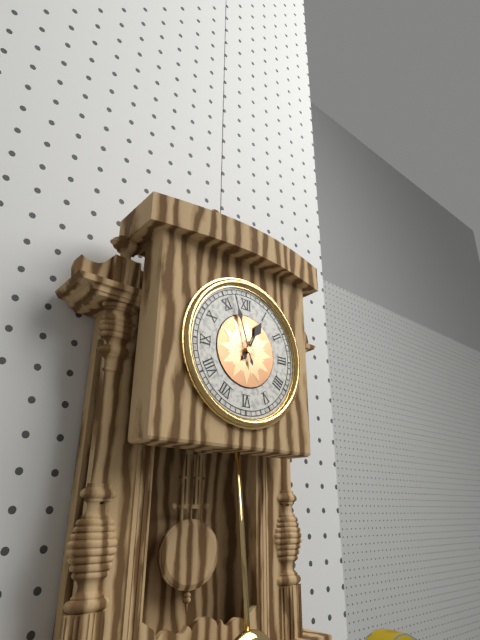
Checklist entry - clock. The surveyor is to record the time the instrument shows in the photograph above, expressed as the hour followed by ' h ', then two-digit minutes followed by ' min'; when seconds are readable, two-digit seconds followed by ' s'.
12 h 57 min
